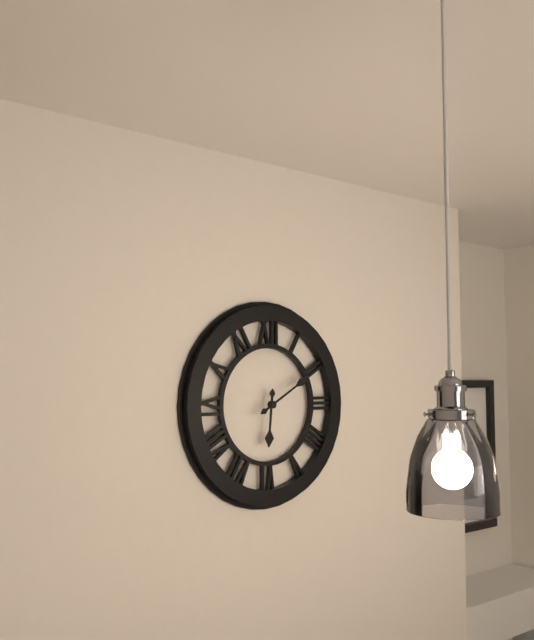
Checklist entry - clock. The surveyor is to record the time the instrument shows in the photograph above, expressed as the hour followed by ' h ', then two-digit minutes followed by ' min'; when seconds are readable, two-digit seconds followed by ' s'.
6 h 10 min
